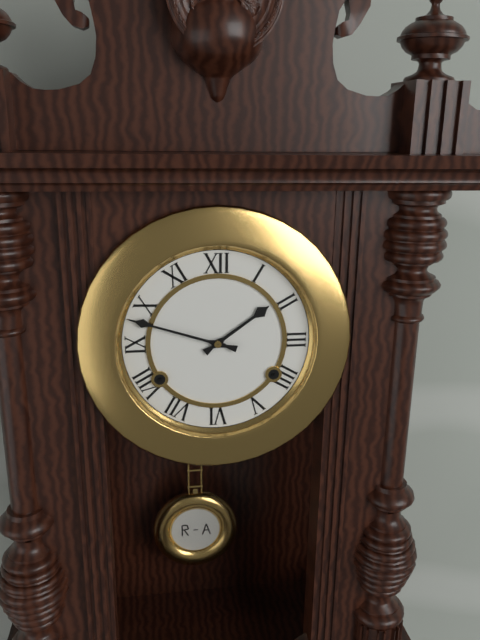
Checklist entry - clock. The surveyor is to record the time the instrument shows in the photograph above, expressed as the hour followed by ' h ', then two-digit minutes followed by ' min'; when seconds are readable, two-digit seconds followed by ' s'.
1 h 48 min
